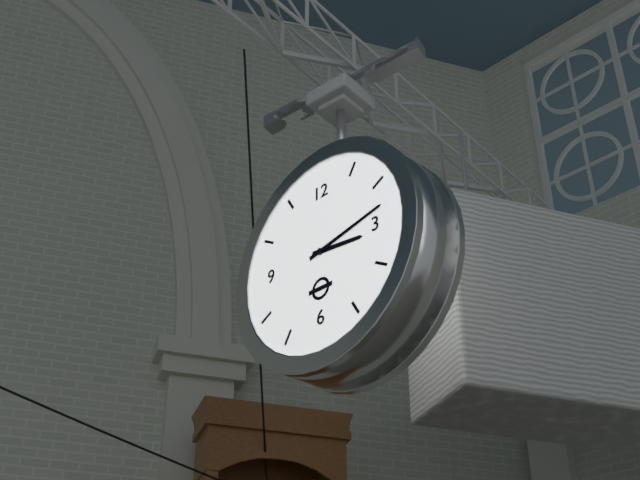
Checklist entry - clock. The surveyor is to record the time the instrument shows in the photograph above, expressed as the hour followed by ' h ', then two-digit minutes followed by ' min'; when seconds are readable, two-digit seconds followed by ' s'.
3 h 13 min
